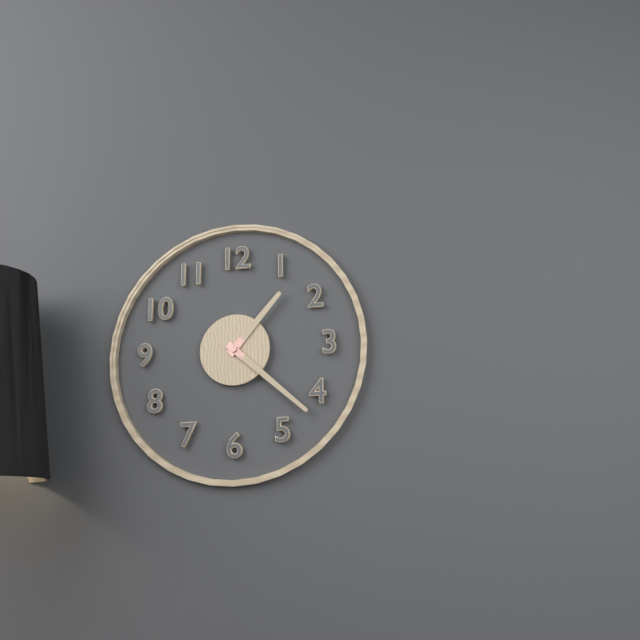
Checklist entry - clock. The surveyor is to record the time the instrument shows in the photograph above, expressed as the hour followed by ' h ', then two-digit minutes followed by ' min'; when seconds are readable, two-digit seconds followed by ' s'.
1 h 22 min
